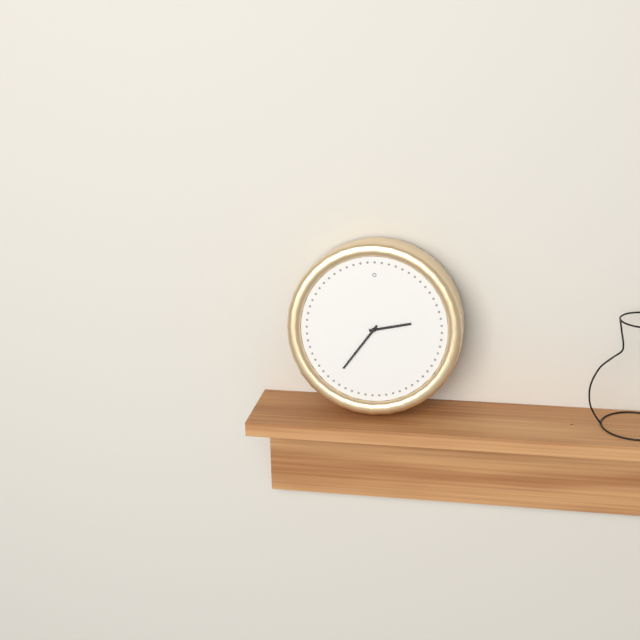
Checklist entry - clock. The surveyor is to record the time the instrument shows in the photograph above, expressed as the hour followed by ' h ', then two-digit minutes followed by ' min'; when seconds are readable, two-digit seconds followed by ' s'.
2 h 36 min
